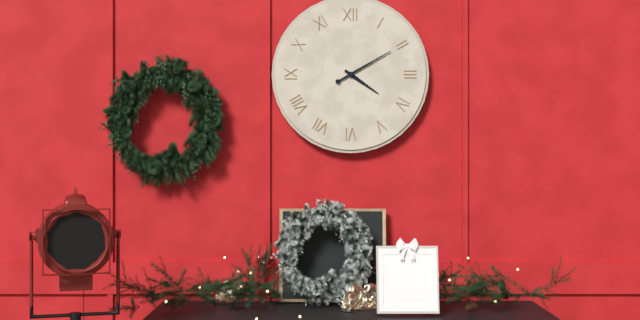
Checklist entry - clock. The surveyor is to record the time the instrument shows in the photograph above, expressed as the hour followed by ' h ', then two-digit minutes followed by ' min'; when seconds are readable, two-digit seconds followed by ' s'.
4 h 10 min
